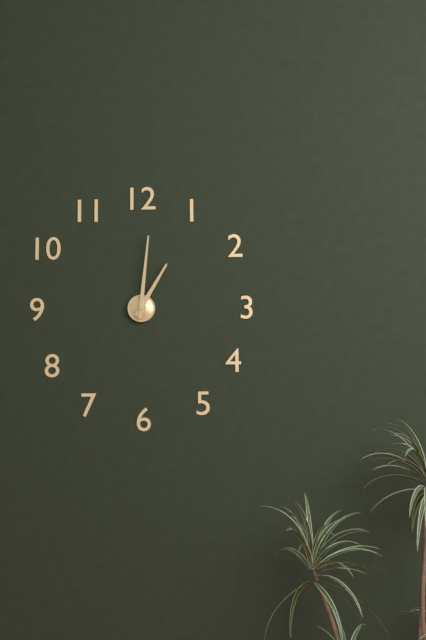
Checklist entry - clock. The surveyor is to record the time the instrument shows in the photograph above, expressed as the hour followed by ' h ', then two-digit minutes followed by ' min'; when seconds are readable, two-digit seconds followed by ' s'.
1 h 01 min
